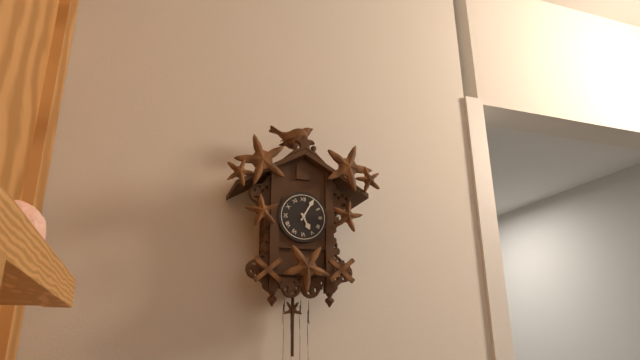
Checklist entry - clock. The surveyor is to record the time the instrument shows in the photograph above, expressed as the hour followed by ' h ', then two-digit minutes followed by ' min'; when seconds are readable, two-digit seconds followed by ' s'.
5 h 05 min
